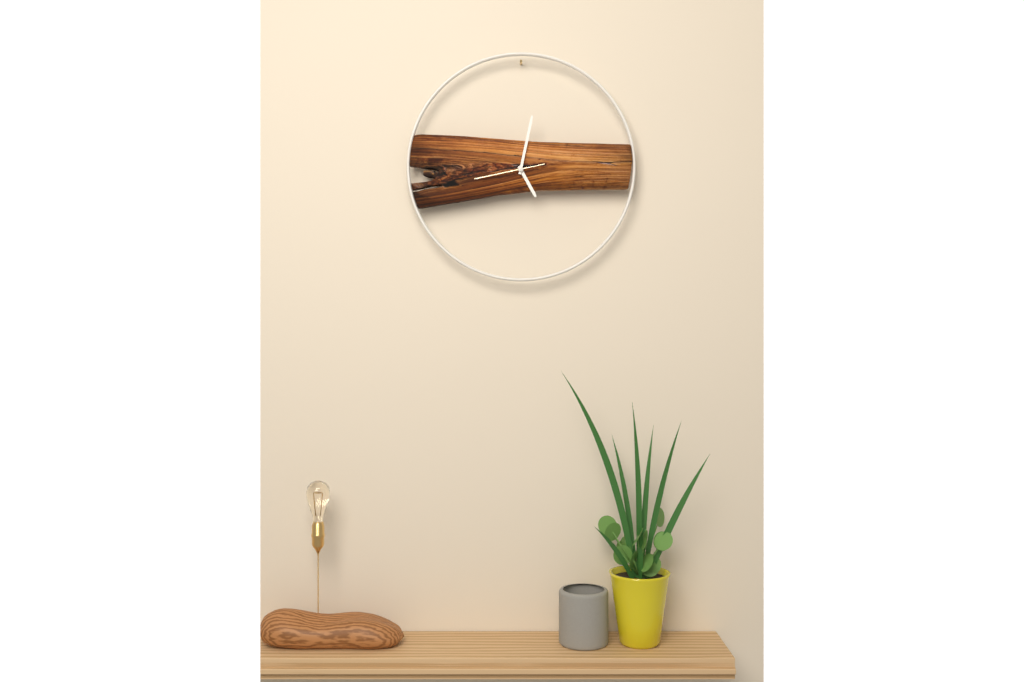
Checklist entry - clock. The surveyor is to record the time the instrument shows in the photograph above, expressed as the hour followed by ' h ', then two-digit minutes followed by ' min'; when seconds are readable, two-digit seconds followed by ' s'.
5 h 02 min 43 s
